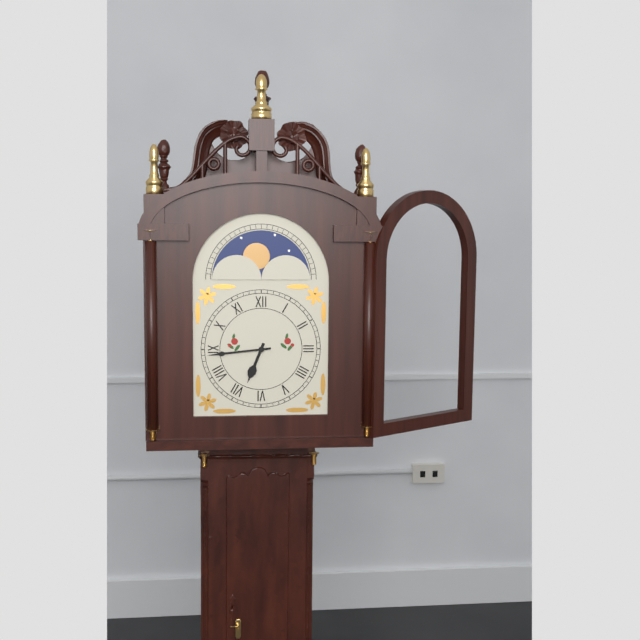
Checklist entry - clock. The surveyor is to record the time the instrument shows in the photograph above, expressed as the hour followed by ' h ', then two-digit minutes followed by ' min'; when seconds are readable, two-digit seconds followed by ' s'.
6 h 44 min
